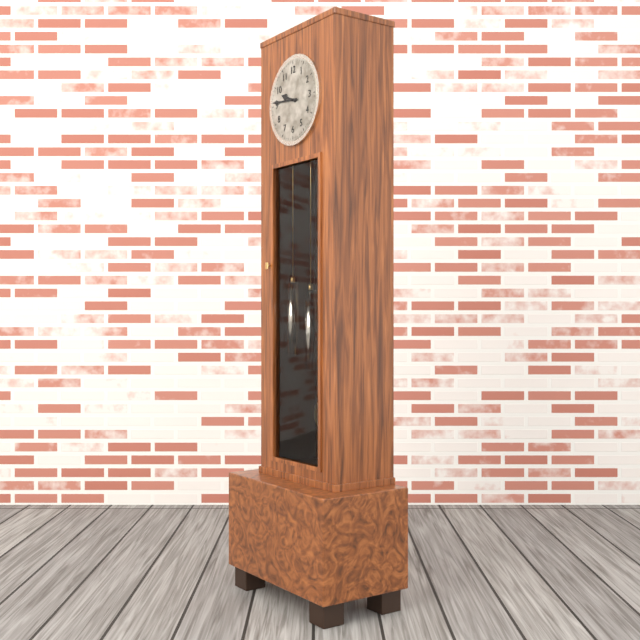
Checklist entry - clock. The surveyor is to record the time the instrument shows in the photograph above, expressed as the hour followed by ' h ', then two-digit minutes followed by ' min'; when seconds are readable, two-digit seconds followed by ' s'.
9 h 46 min
